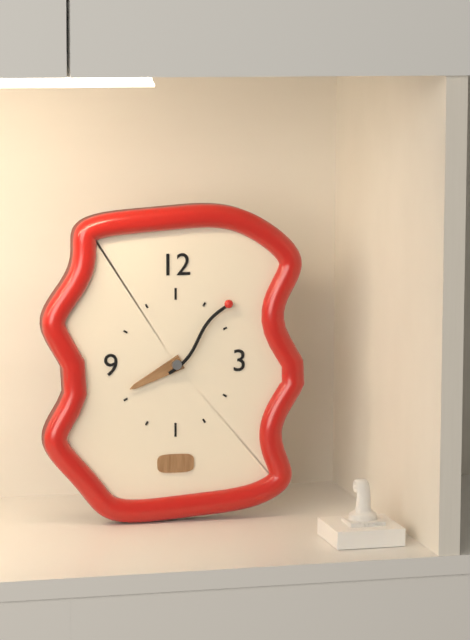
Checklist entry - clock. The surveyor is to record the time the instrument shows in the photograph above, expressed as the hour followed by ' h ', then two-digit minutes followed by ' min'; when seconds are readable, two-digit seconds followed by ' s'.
8 h 07 min
